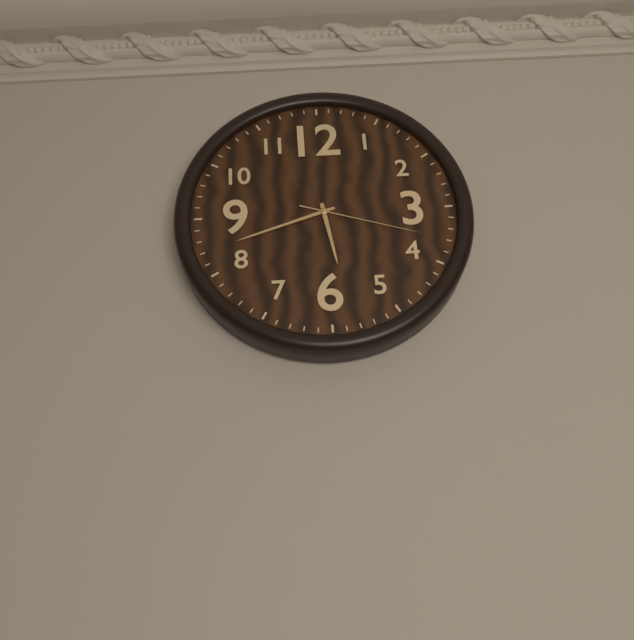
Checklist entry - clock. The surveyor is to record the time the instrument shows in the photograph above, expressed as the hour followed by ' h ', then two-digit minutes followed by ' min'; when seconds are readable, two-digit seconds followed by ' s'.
5 h 42 min 18 s
